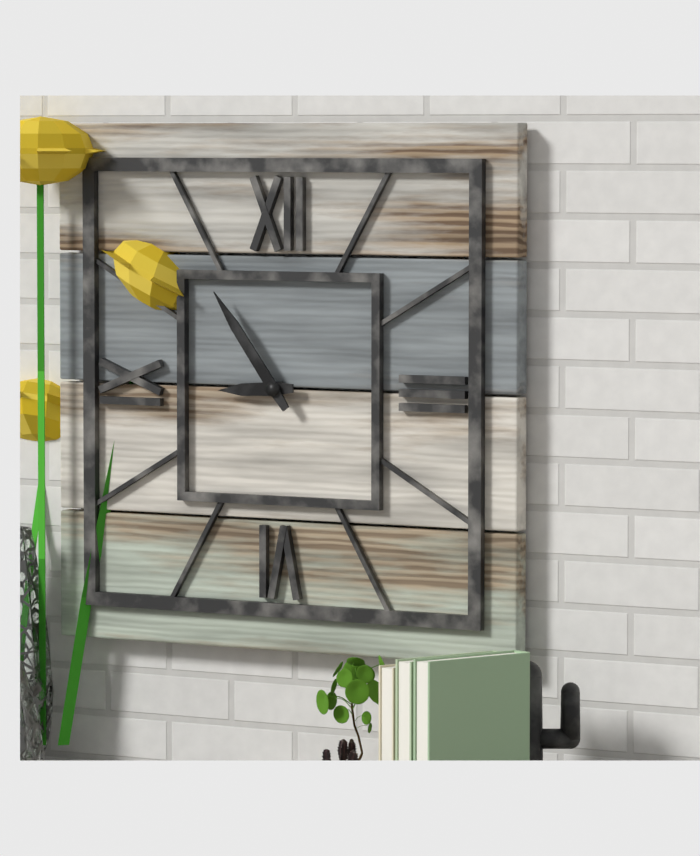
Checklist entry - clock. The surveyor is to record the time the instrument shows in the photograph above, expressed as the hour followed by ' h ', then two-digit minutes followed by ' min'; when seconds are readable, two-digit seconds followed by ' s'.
8 h 54 min
